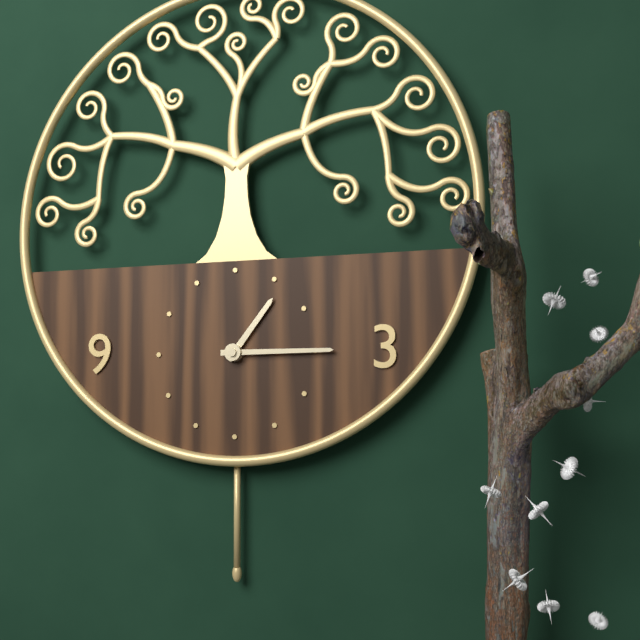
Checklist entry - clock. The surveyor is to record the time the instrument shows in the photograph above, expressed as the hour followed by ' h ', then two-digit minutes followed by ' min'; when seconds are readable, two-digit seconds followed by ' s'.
1 h 15 min
